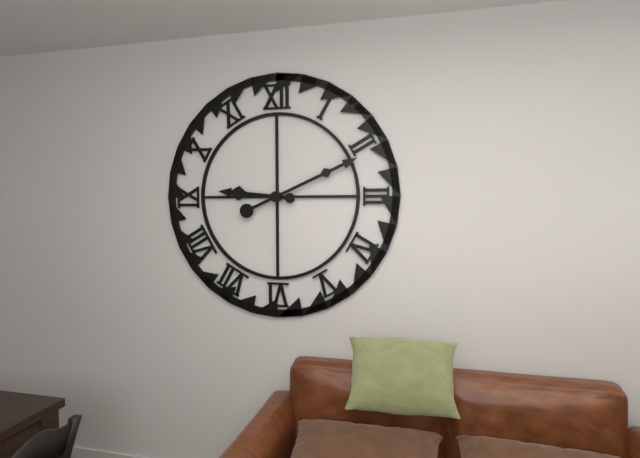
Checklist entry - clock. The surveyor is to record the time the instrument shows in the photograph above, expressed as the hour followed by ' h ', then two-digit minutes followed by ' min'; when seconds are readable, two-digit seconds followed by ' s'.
9 h 11 min
